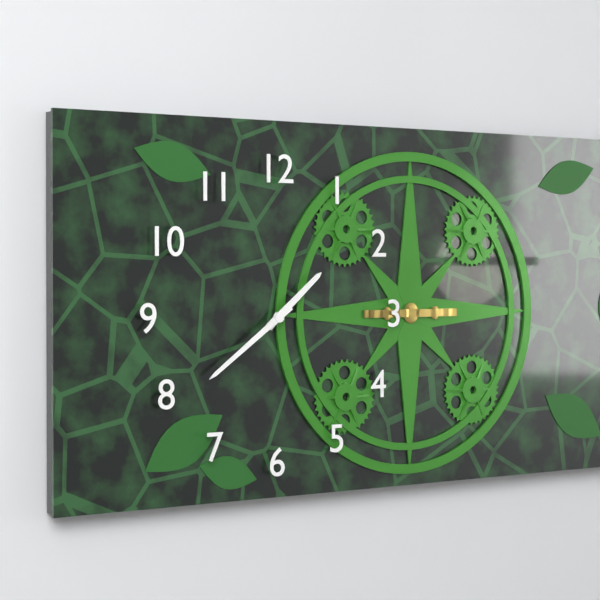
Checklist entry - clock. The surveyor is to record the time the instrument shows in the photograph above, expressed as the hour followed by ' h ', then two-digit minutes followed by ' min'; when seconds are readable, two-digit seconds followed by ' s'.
1 h 39 min
